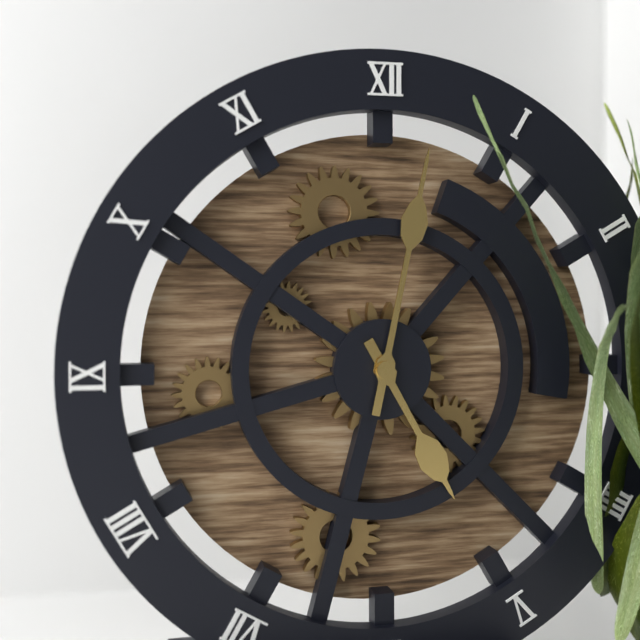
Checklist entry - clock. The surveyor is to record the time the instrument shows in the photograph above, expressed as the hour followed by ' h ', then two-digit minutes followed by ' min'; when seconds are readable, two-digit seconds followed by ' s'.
5 h 02 min
